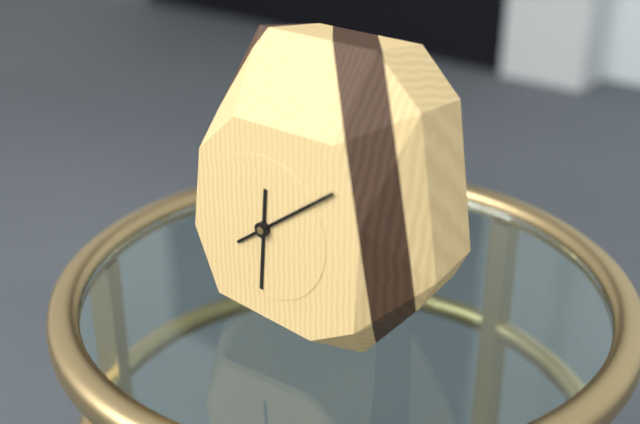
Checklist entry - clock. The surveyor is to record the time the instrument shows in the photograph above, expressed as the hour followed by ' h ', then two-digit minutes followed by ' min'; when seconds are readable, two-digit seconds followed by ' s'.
6 h 09 min
